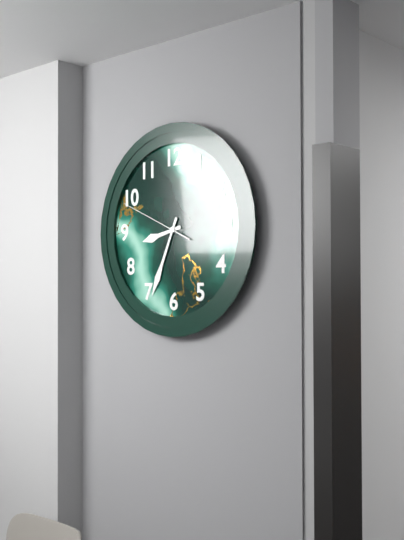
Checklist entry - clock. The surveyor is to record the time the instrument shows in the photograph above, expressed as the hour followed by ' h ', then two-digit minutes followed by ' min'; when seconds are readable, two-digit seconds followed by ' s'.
8 h 34 min 49 s
